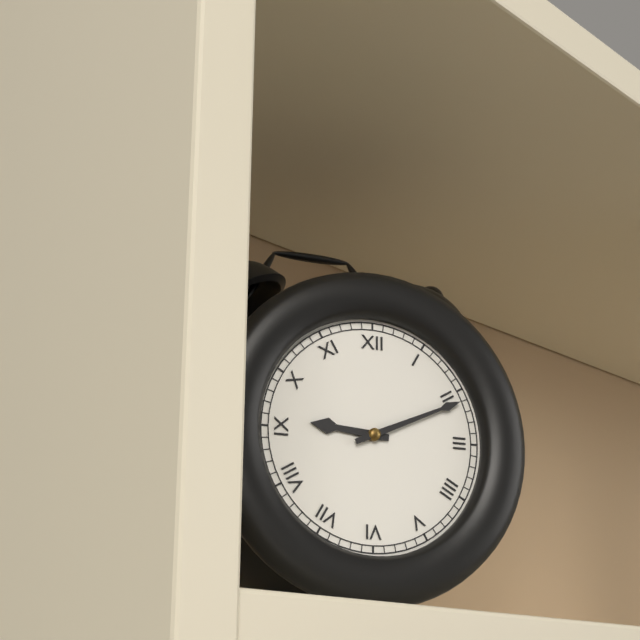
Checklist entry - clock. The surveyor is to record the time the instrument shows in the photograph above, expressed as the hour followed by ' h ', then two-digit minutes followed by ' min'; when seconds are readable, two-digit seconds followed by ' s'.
9 h 11 min
